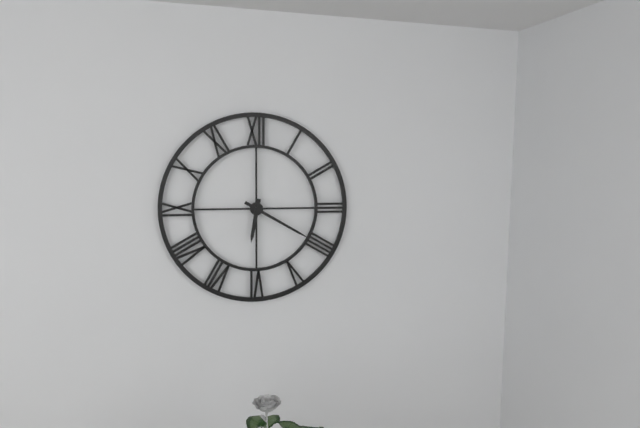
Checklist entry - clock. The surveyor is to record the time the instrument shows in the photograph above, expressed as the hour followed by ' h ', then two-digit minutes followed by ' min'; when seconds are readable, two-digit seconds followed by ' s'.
6 h 20 min
